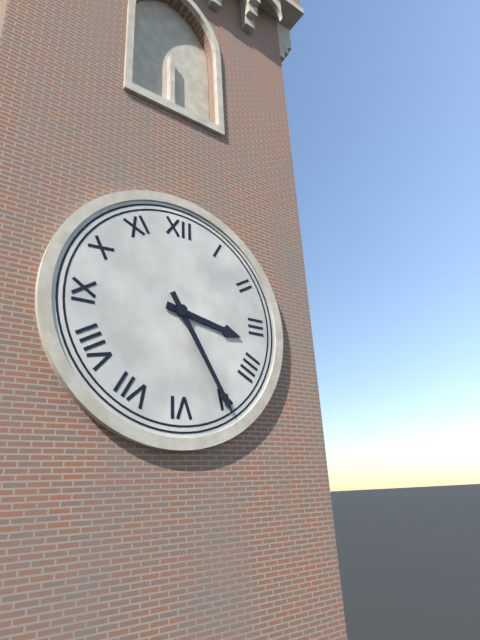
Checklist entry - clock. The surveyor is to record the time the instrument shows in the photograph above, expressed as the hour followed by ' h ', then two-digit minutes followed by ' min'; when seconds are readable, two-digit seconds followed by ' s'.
3 h 25 min
